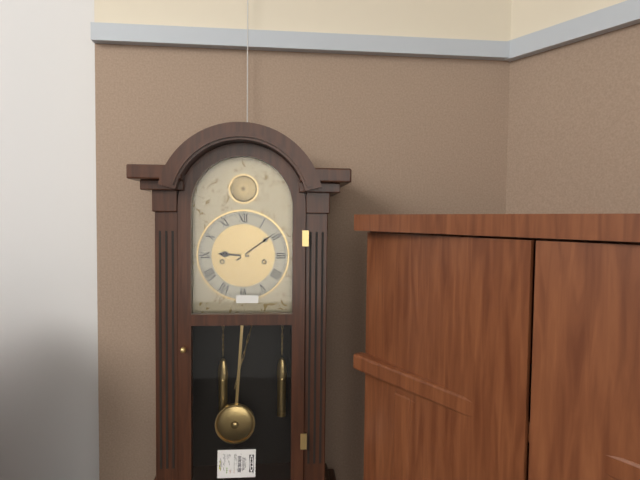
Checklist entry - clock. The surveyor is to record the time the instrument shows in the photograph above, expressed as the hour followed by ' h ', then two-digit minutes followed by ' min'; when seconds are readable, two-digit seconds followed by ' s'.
9 h 09 min
